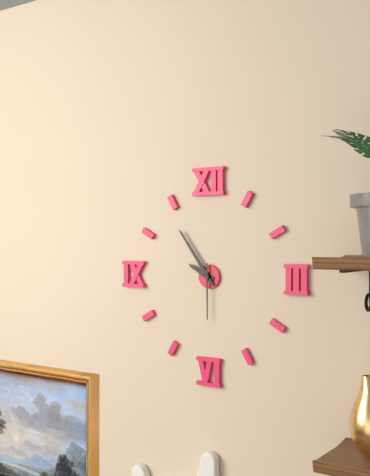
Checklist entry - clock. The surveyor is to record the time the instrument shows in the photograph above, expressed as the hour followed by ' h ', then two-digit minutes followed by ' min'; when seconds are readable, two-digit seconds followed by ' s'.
9 h 54 min 30 s
